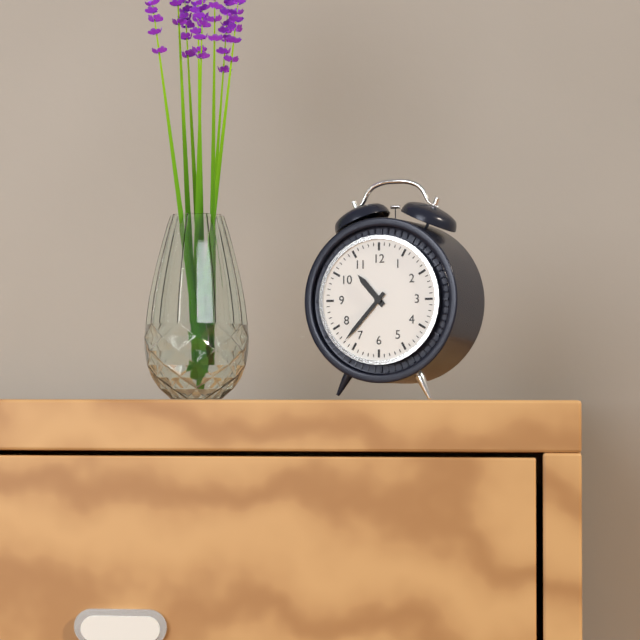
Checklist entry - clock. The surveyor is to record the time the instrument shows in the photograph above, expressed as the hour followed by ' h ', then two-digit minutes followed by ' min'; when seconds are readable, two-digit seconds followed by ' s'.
10 h 37 min
